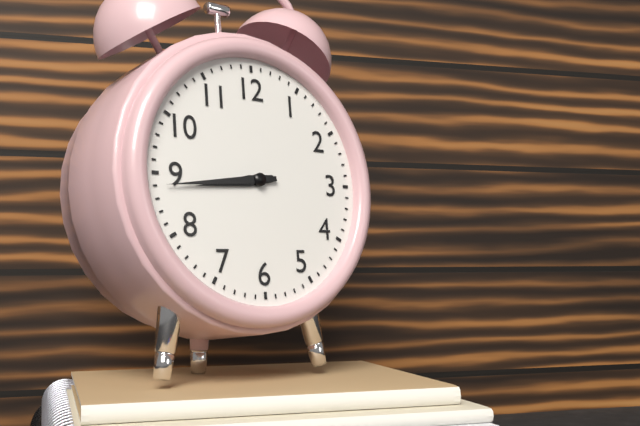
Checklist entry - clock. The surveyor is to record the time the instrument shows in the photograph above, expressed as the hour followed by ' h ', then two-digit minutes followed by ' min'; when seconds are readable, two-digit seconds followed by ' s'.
8 h 44 min
